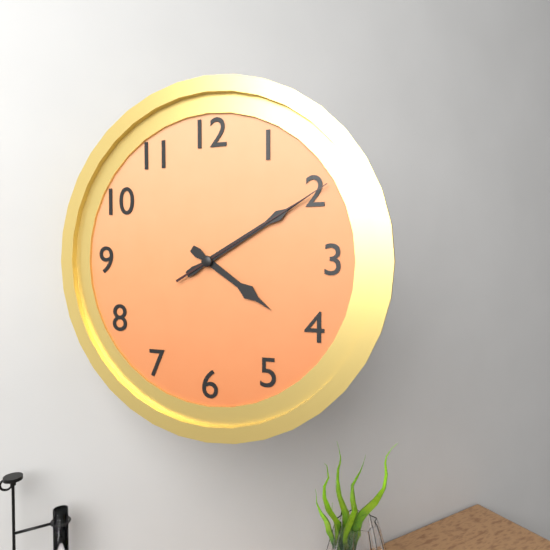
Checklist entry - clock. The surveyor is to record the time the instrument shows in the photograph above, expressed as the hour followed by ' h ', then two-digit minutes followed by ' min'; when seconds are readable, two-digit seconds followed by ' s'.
4 h 10 min 10 s
